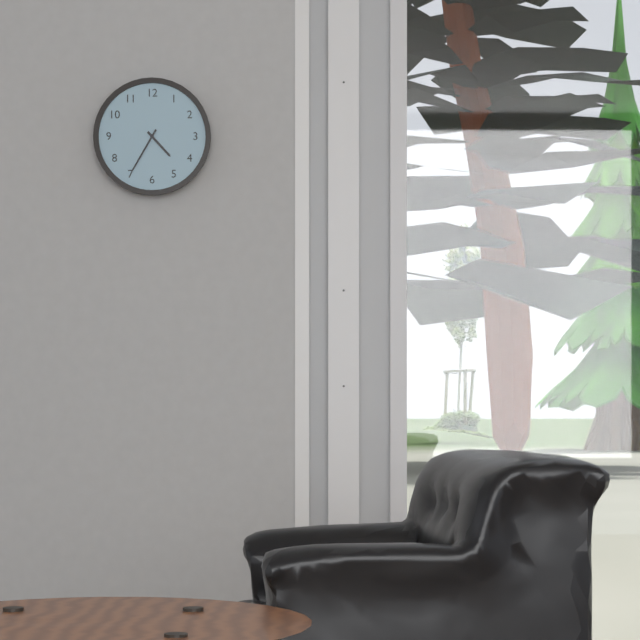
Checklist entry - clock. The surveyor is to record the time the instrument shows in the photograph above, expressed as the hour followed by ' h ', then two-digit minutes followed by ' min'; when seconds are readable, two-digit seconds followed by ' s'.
4 h 35 min
